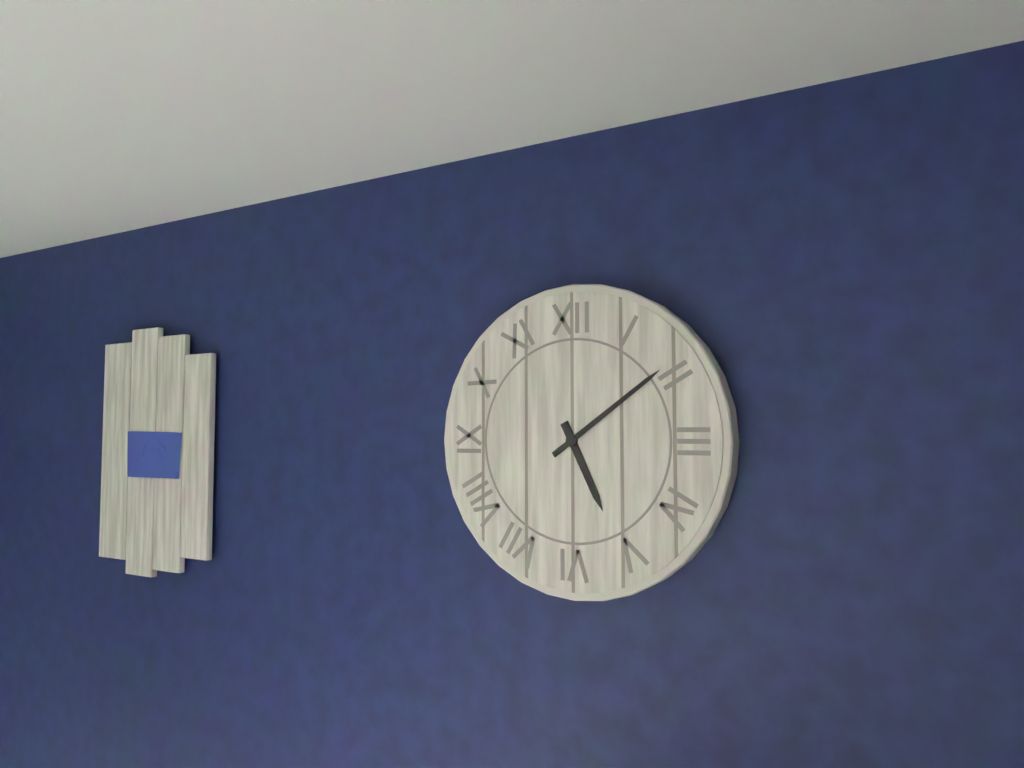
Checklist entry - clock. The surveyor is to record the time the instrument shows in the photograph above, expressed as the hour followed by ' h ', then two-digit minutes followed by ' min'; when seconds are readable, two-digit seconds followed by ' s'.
5 h 09 min
